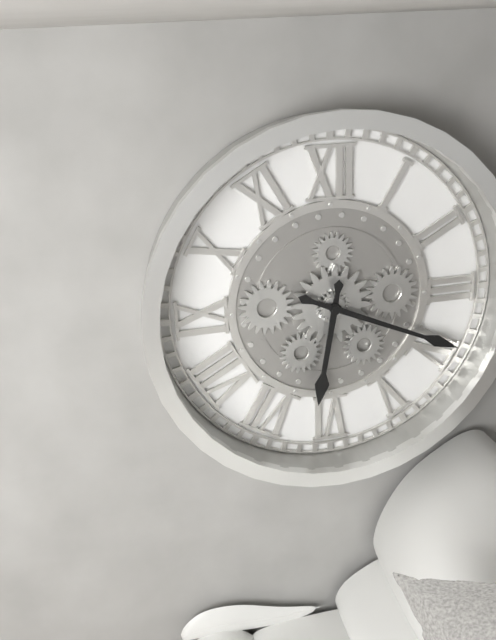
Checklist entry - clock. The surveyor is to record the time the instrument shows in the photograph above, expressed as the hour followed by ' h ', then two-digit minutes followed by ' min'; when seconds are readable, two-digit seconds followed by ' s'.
6 h 19 min
